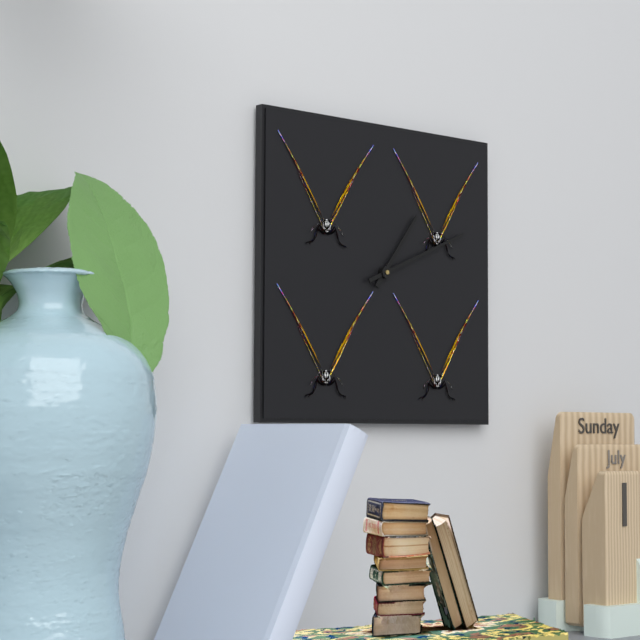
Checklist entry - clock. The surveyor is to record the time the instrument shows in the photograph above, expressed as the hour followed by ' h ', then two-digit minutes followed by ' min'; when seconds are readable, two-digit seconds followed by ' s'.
1 h 11 min
